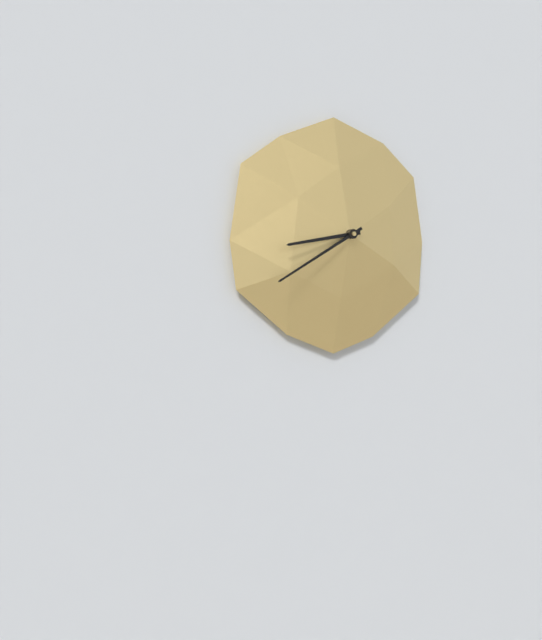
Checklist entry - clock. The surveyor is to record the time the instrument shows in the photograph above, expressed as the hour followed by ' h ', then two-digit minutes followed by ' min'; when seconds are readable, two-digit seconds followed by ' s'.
8 h 40 min
